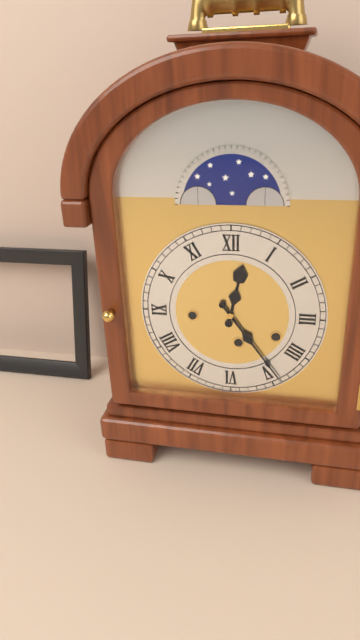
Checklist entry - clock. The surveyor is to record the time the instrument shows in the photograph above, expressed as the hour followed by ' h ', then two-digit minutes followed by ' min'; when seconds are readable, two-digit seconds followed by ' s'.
12 h 24 min
